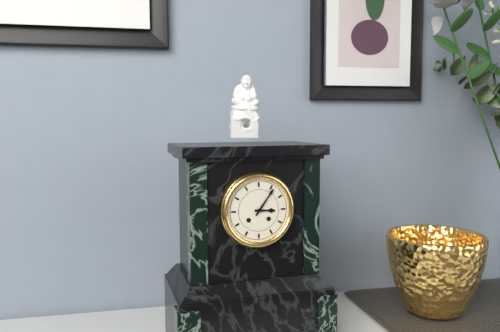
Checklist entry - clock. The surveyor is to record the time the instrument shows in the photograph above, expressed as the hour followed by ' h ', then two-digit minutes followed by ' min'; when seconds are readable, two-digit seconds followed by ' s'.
3 h 06 min
